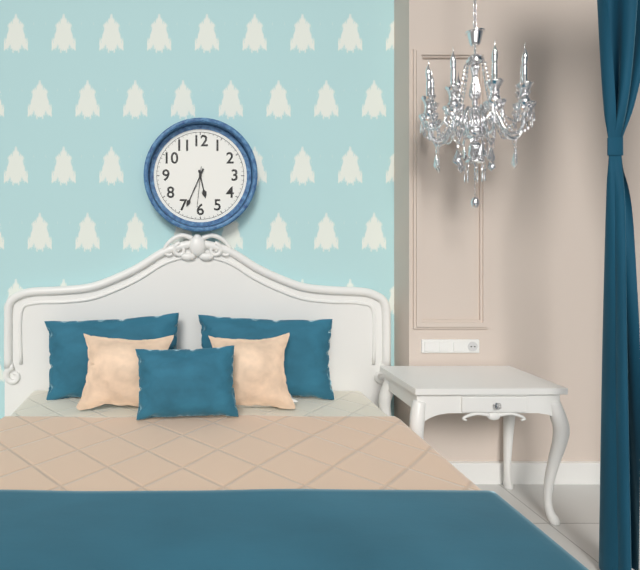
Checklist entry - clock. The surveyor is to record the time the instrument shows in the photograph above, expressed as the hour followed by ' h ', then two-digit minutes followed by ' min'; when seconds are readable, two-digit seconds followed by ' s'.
5 h 34 min
